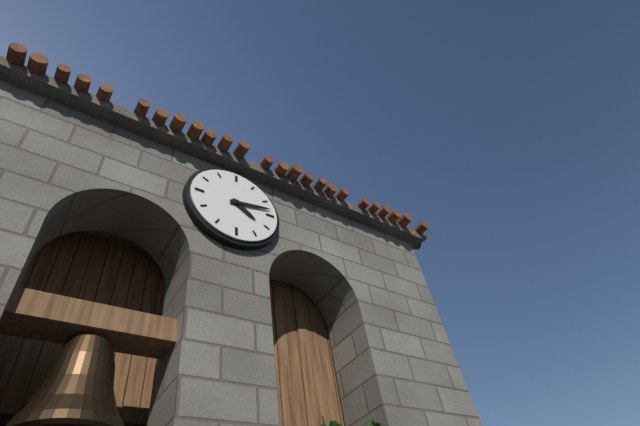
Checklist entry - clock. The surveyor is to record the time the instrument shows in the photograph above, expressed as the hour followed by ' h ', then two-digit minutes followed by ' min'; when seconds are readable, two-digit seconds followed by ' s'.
4 h 13 min
